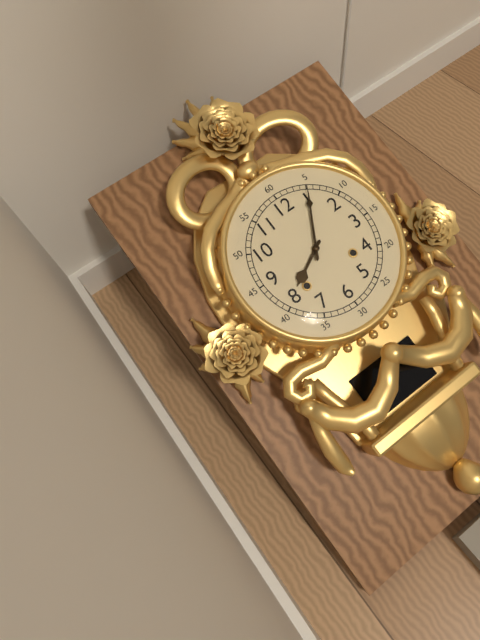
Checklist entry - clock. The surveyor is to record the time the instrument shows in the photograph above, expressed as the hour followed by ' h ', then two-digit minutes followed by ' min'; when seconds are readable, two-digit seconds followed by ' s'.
8 h 05 min
